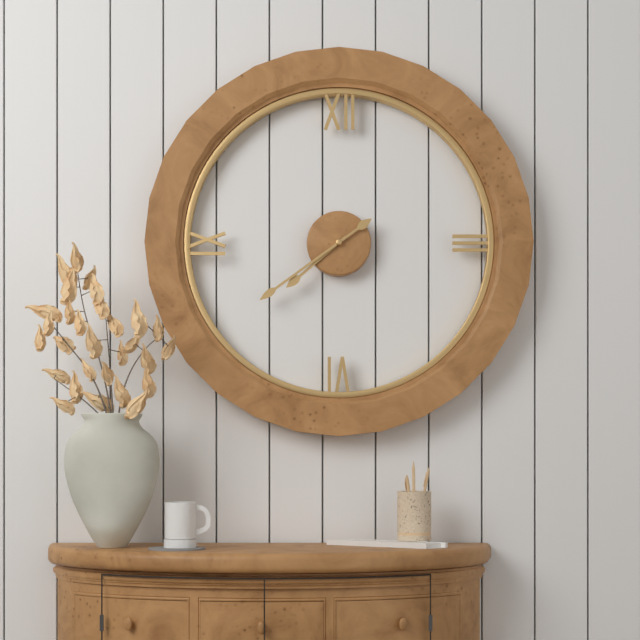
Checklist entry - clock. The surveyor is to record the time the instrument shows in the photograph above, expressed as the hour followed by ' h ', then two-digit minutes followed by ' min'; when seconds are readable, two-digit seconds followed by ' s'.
7 h 39 min
